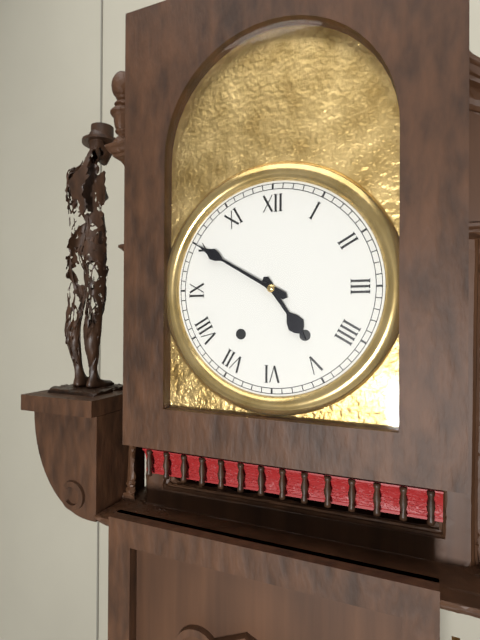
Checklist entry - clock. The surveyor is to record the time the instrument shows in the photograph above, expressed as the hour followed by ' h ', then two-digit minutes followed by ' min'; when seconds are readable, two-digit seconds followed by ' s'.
4 h 50 min
